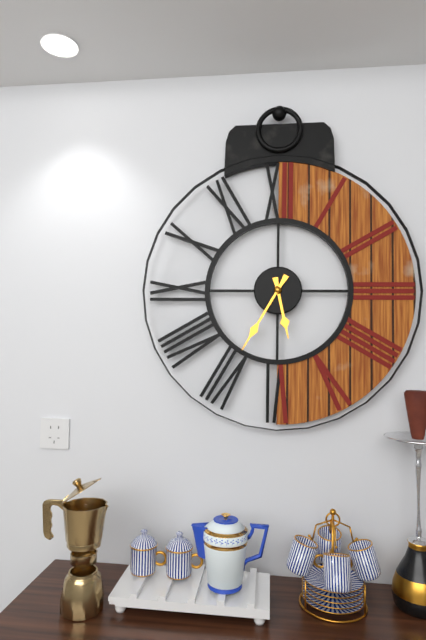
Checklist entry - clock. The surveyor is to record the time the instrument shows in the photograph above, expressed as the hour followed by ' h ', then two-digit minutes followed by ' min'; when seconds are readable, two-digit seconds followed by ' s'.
5 h 35 min
